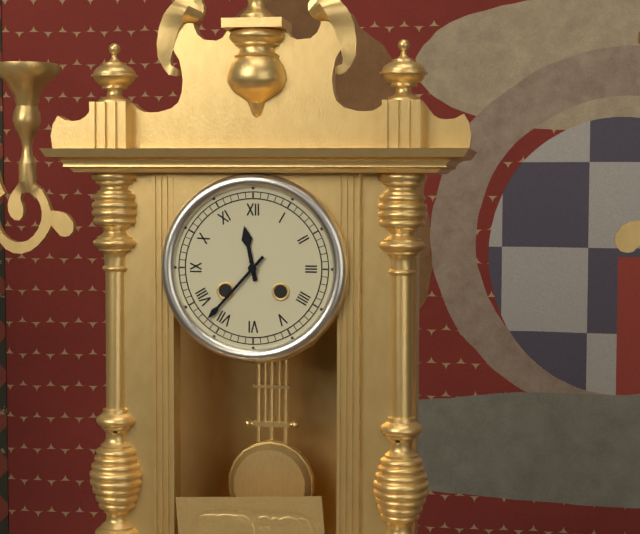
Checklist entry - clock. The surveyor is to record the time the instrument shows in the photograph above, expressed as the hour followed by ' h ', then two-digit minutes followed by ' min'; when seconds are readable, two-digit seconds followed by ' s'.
11 h 37 min
